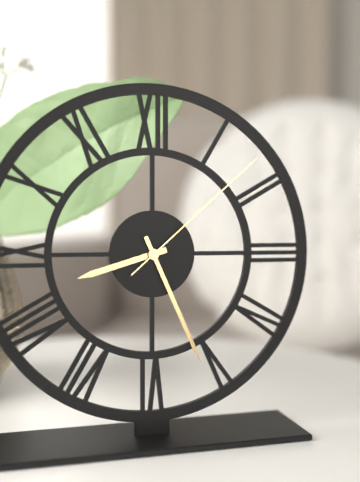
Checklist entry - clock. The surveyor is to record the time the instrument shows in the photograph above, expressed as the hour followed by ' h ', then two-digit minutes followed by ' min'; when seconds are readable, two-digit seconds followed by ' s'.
8 h 26 min 08 s
